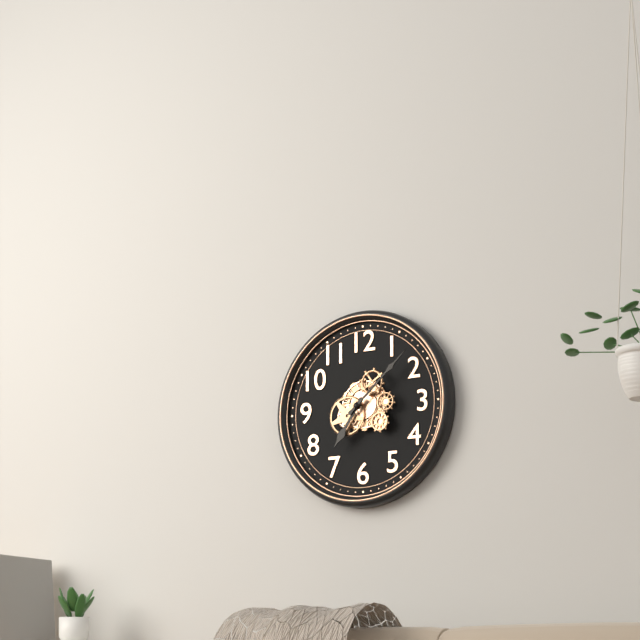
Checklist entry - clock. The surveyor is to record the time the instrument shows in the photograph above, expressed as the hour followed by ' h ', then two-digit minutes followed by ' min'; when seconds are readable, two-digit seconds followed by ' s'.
7 h 08 min
